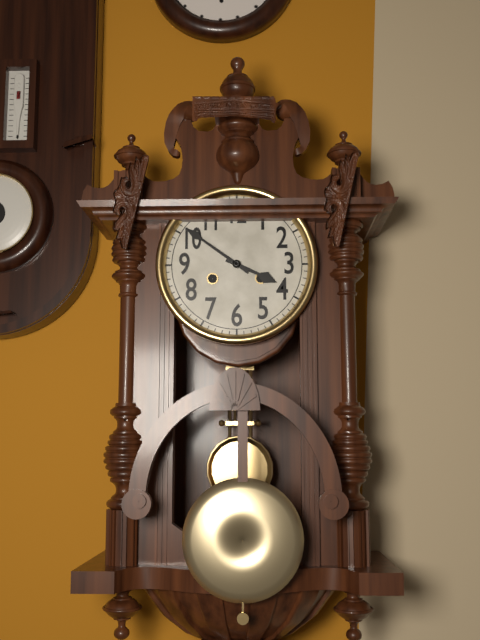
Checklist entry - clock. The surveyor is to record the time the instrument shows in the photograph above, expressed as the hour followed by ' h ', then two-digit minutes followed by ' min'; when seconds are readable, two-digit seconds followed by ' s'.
3 h 51 min
